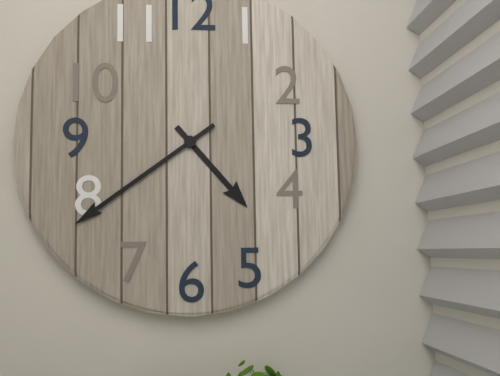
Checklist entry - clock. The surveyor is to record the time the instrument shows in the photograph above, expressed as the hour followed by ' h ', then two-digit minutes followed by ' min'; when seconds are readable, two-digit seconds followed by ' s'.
4 h 39 min
